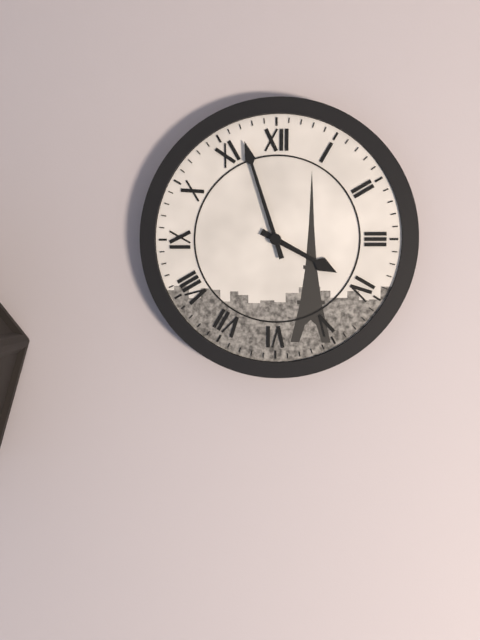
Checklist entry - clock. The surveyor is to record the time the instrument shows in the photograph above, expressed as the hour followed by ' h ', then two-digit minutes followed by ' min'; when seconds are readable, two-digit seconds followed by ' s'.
3 h 57 min
